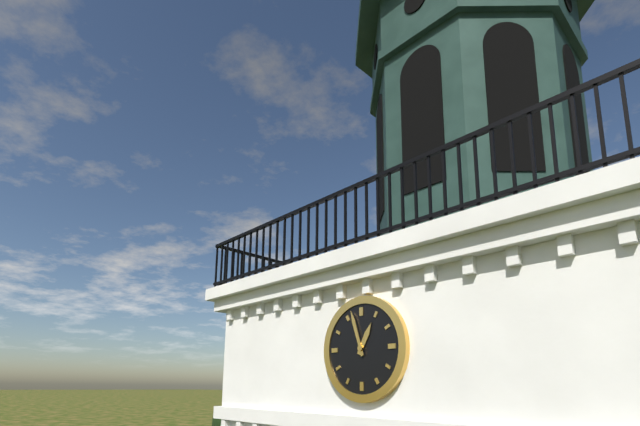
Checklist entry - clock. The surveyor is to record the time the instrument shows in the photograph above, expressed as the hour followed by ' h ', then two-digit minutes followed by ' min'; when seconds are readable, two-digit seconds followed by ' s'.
12 h 57 min
